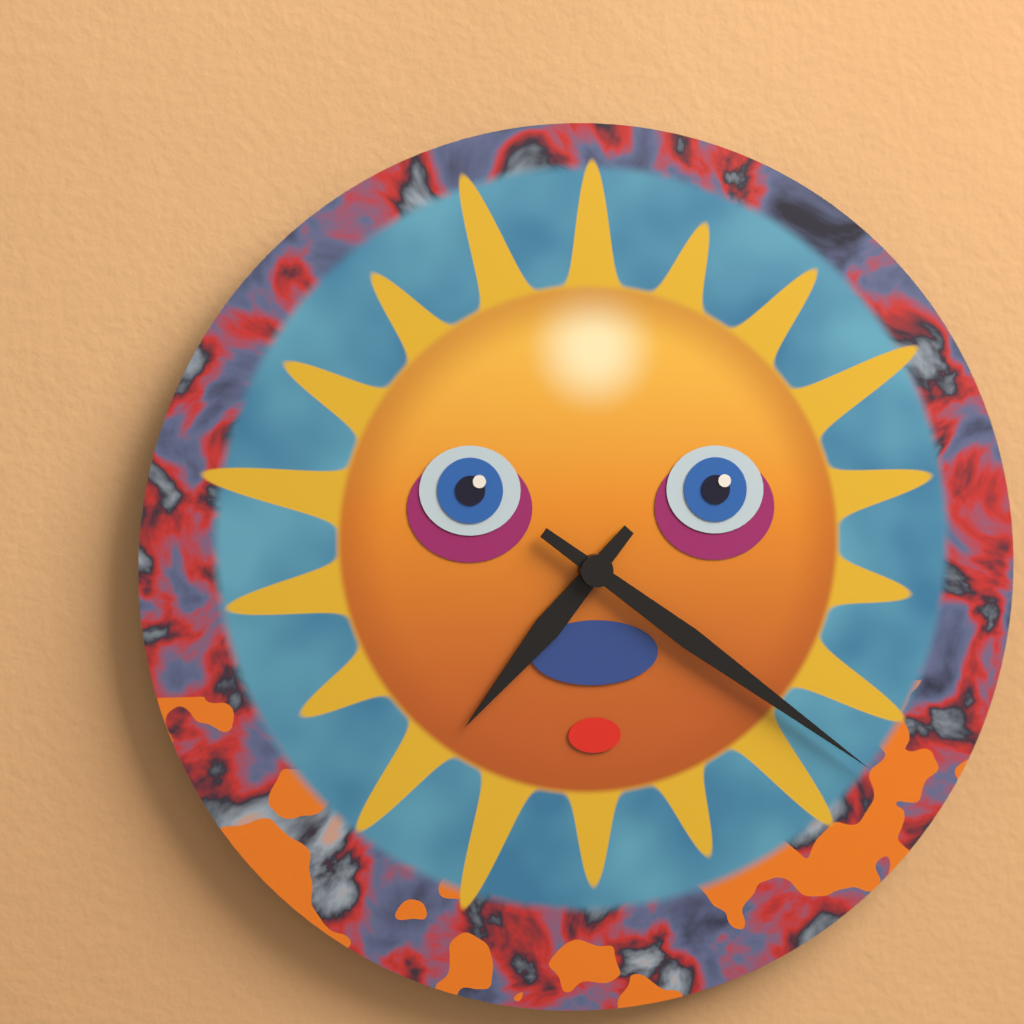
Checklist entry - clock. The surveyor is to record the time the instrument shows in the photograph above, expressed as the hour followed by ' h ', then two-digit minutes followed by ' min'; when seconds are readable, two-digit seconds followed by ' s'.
7 h 21 min
